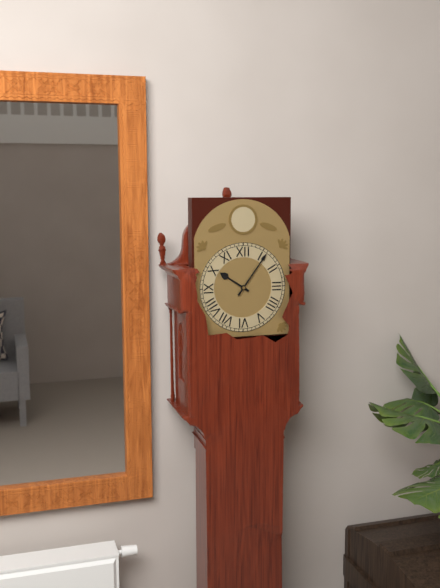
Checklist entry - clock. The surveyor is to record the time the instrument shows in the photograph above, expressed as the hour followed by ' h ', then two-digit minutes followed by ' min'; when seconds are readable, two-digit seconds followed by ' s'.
10 h 06 min
